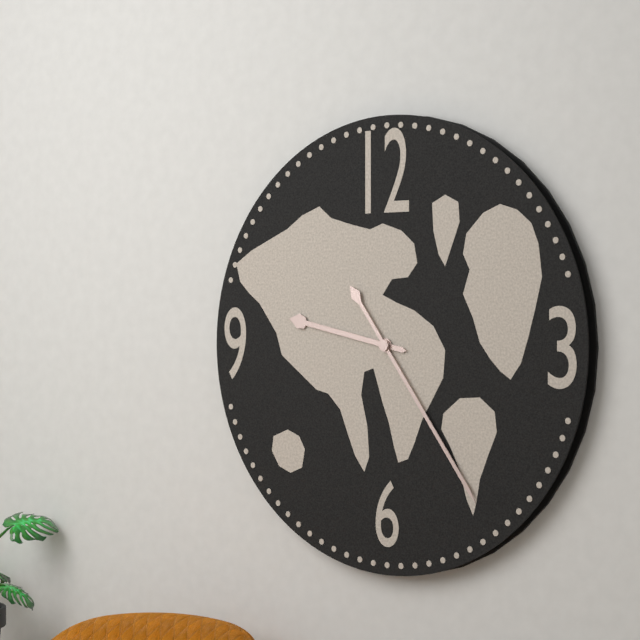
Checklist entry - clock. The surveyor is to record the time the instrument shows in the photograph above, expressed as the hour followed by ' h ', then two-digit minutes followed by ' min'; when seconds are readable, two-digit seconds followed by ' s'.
9 h 24 min
